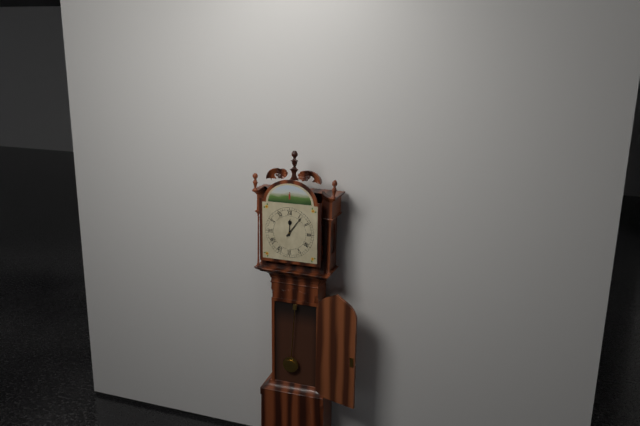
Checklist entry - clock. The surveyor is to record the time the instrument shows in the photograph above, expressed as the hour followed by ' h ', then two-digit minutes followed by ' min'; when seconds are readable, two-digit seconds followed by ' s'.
12 h 06 min
